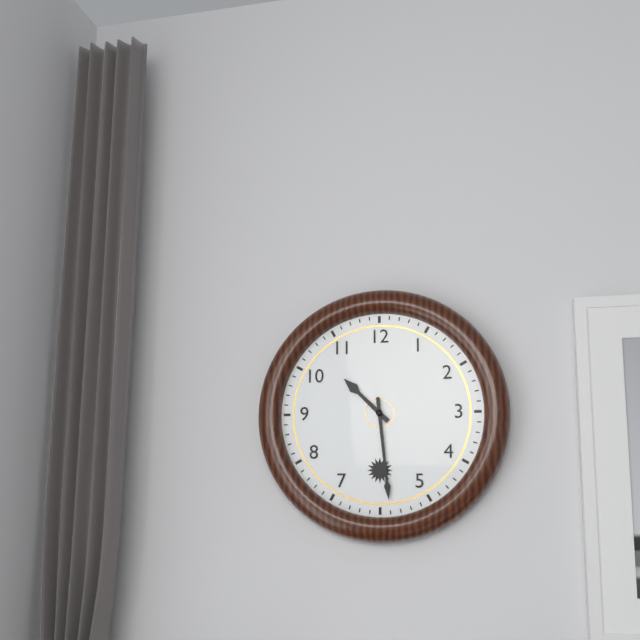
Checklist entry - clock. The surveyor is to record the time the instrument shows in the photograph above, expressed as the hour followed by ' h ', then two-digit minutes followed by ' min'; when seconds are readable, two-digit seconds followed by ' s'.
10 h 29 min
